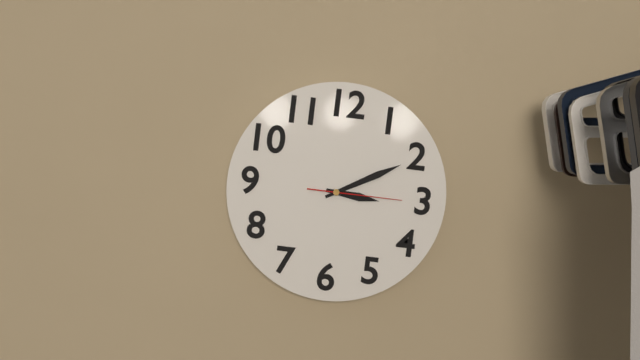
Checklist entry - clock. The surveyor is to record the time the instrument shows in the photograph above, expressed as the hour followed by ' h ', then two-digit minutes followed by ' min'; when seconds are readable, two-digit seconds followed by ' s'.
3 h 10 min 15 s
